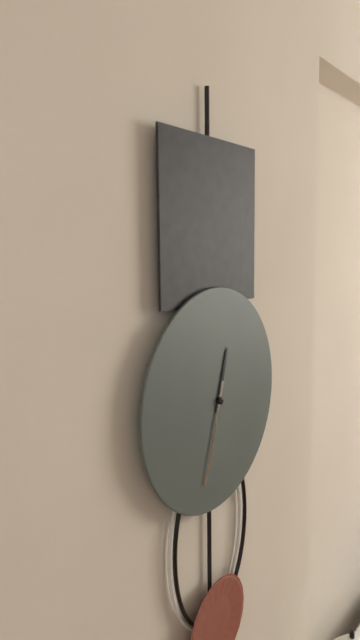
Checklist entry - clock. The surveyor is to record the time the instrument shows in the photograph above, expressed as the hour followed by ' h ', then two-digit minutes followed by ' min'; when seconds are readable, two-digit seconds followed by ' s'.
12 h 33 min
